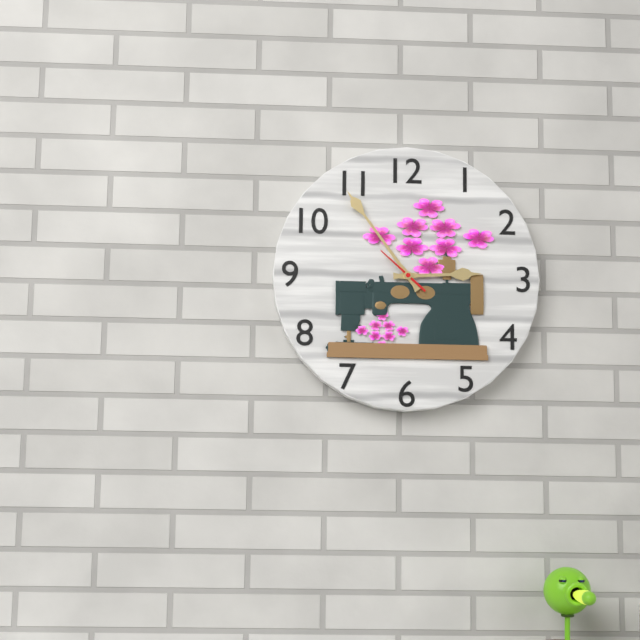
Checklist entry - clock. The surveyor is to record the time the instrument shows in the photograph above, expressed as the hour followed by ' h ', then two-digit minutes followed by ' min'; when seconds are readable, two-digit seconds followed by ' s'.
2 h 54 min
